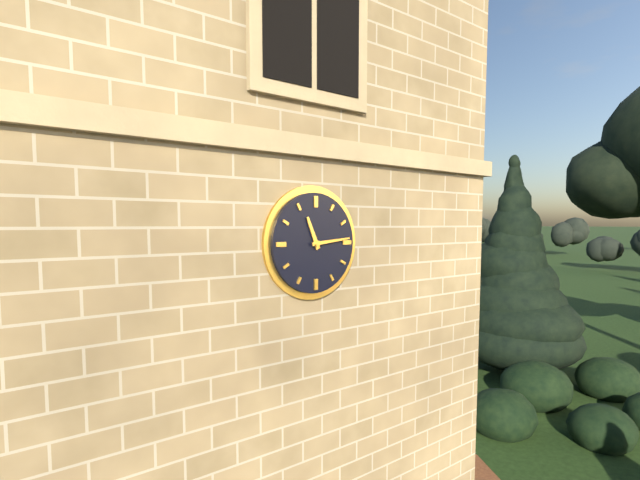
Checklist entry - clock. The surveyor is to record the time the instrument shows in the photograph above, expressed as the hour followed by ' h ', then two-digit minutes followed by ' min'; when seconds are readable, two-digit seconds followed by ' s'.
11 h 14 min
